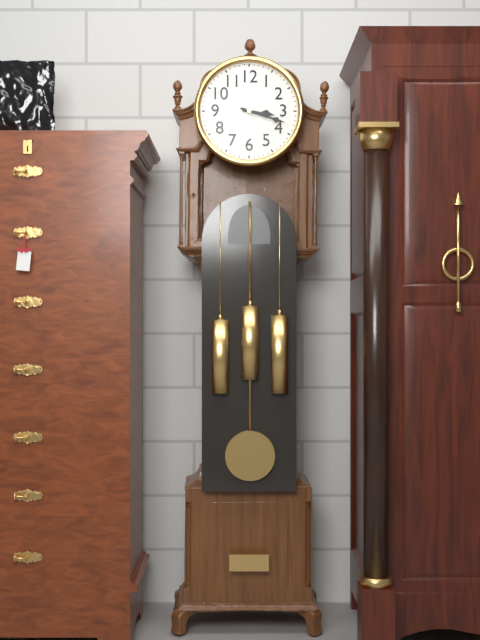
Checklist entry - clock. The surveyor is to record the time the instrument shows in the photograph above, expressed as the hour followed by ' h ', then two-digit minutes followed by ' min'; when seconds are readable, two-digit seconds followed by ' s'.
3 h 18 min
